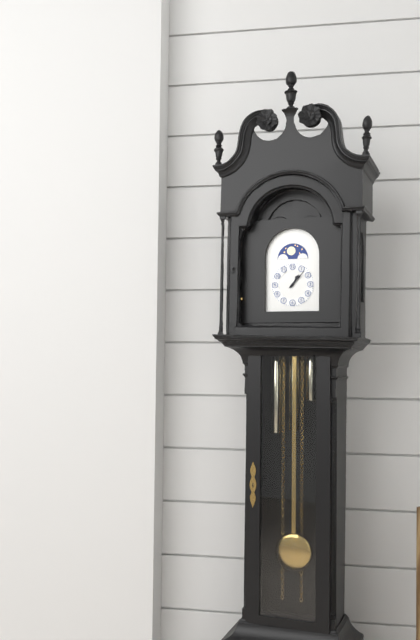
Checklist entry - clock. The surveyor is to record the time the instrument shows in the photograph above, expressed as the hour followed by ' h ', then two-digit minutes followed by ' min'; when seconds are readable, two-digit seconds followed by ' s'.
1 h 07 min
